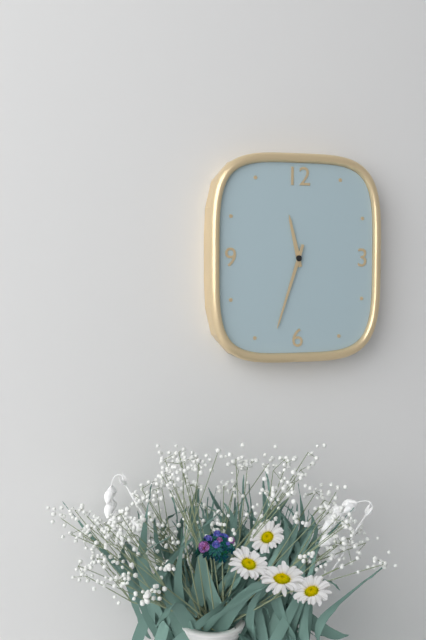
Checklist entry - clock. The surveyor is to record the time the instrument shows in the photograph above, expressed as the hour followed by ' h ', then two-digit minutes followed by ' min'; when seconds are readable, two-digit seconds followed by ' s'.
11 h 33 min
